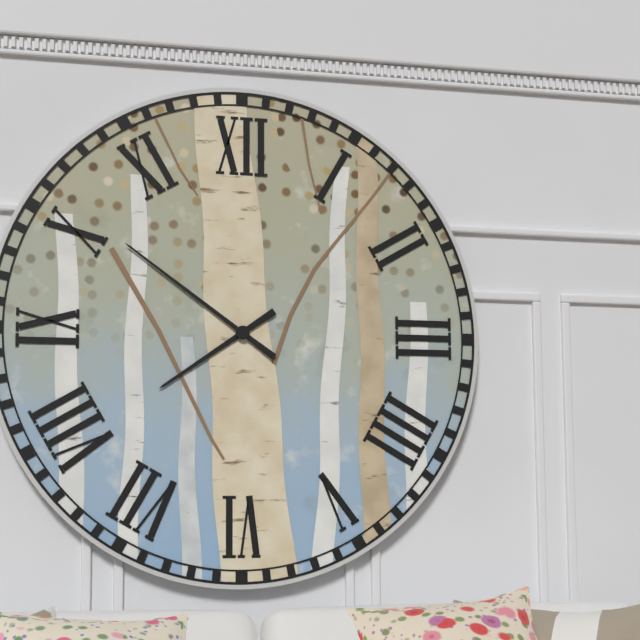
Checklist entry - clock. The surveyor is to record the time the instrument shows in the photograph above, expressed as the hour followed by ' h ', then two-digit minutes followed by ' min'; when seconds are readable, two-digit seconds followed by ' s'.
7 h 51 min
